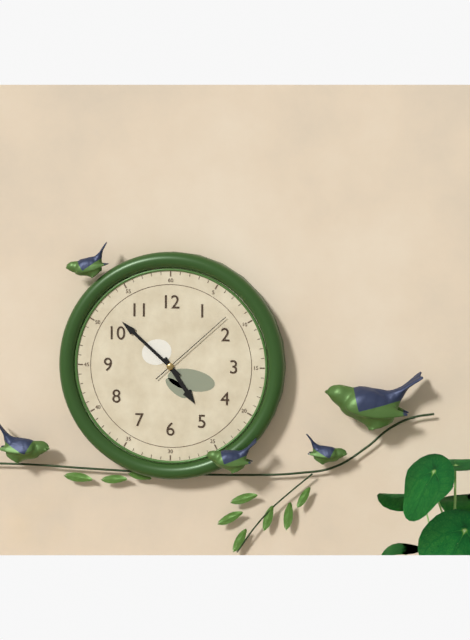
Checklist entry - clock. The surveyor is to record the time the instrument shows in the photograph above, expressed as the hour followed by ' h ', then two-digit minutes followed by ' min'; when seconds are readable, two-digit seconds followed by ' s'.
4 h 52 min 08 s
